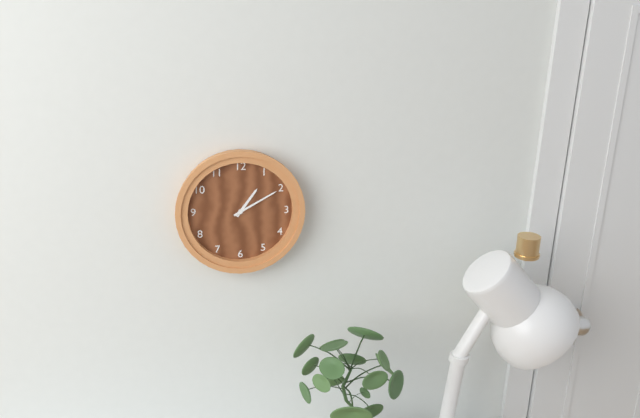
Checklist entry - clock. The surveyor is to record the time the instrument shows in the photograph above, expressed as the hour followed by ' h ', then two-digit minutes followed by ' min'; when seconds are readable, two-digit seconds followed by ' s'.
1 h 10 min
